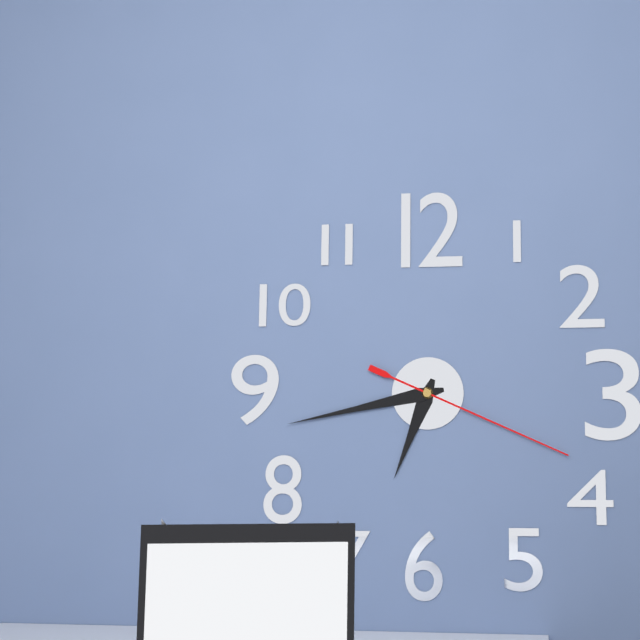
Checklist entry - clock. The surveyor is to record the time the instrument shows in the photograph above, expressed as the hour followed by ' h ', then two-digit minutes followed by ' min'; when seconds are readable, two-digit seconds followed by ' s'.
6 h 43 min 19 s
